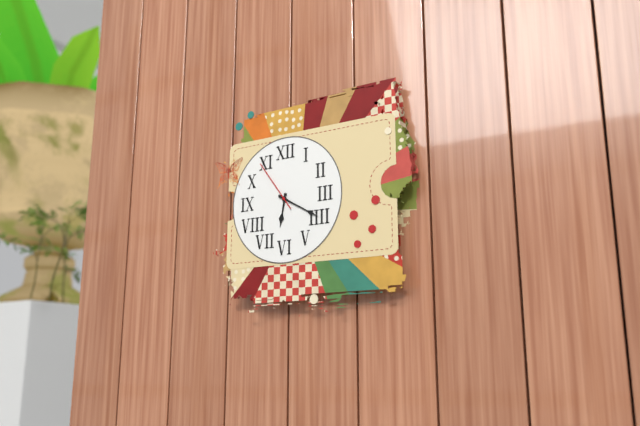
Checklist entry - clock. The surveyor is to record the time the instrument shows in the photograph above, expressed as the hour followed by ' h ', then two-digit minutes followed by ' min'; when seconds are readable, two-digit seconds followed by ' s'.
6 h 20 min 54 s
